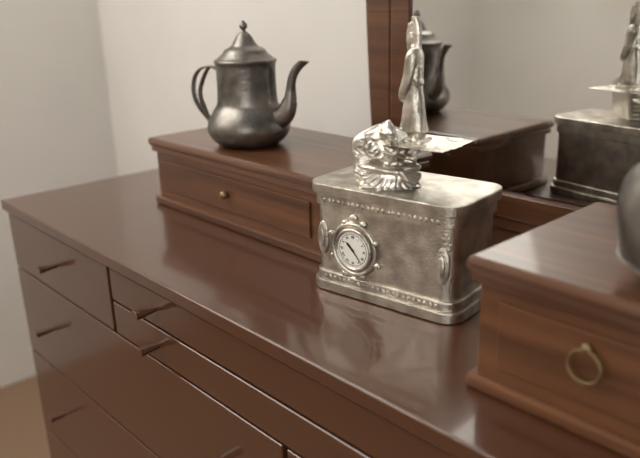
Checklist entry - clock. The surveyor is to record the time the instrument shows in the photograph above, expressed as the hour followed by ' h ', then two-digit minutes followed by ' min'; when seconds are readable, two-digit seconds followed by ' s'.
10 h 23 min
